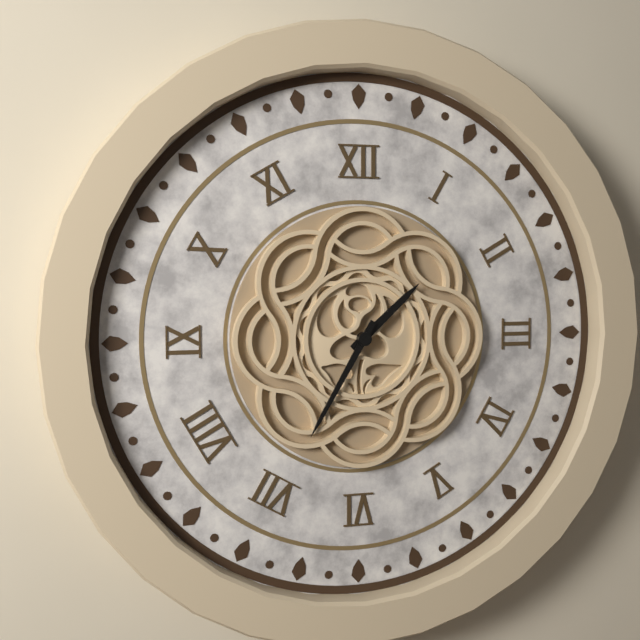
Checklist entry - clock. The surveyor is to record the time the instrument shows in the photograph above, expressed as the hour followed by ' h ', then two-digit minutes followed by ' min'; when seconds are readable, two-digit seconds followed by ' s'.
1 h 35 min
